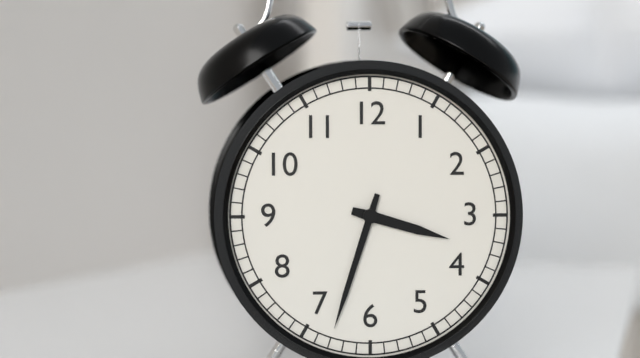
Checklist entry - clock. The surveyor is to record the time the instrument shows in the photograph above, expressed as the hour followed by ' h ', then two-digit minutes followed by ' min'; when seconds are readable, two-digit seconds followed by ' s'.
3 h 33 min
